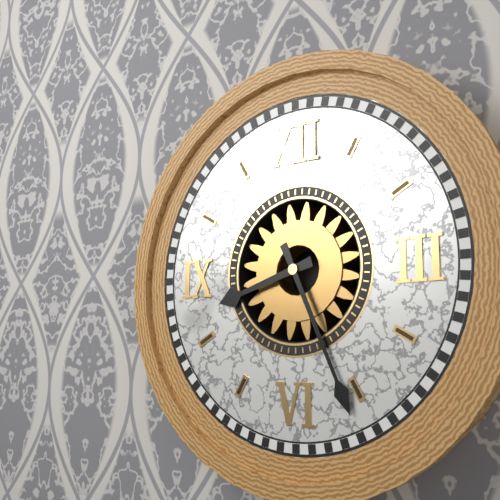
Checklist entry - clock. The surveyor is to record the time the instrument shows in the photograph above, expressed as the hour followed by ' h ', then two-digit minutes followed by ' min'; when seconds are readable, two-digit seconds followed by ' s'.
8 h 26 min
